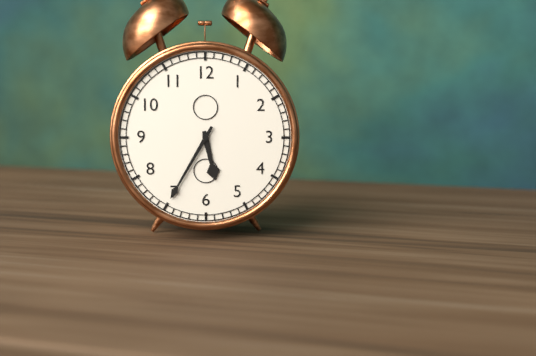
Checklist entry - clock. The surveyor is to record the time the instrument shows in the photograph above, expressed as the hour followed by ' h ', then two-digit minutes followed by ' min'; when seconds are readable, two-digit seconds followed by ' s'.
5 h 35 min
